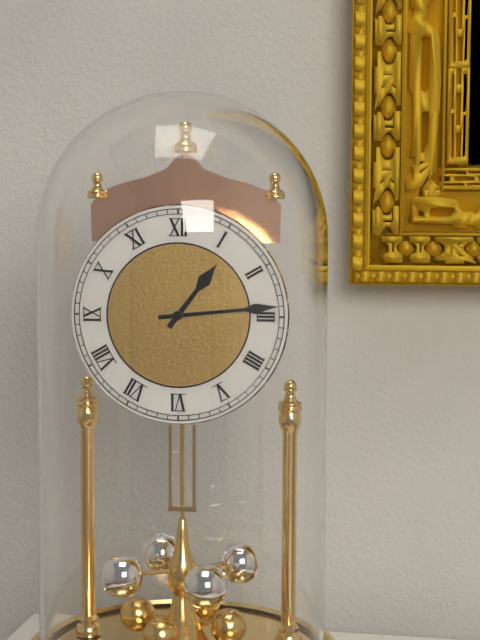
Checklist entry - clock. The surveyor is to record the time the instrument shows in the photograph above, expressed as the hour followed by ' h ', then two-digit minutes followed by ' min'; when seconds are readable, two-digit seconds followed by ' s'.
1 h 14 min
